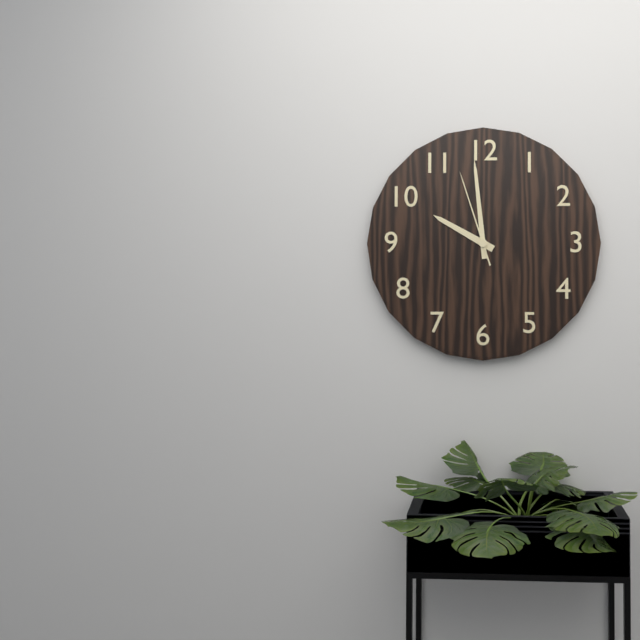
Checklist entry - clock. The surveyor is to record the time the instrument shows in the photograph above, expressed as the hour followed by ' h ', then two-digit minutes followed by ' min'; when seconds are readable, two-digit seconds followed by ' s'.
9 h 59 min 57 s
